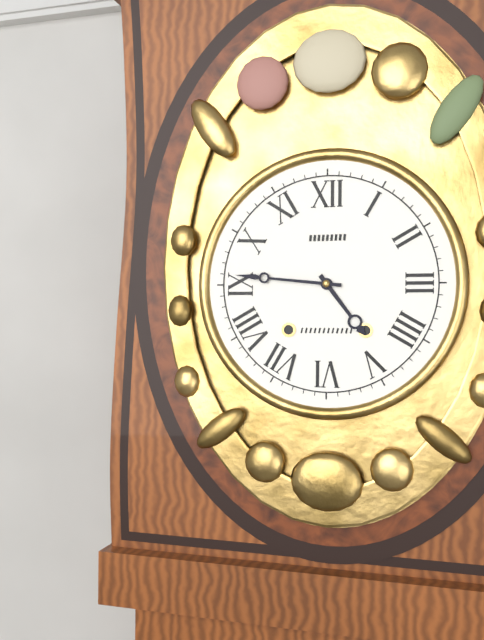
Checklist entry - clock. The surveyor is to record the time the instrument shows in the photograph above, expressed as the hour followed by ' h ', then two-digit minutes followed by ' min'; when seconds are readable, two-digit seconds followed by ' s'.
4 h 46 min
